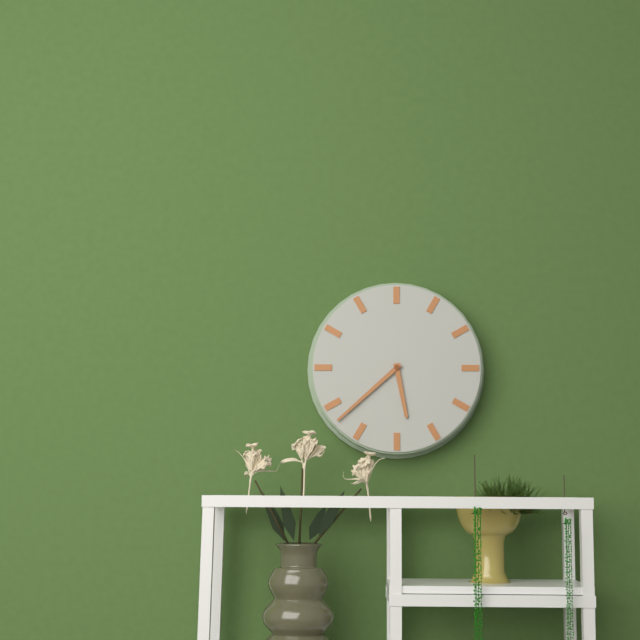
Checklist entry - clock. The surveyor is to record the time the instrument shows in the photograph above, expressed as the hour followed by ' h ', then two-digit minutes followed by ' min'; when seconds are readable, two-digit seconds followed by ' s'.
5 h 38 min
